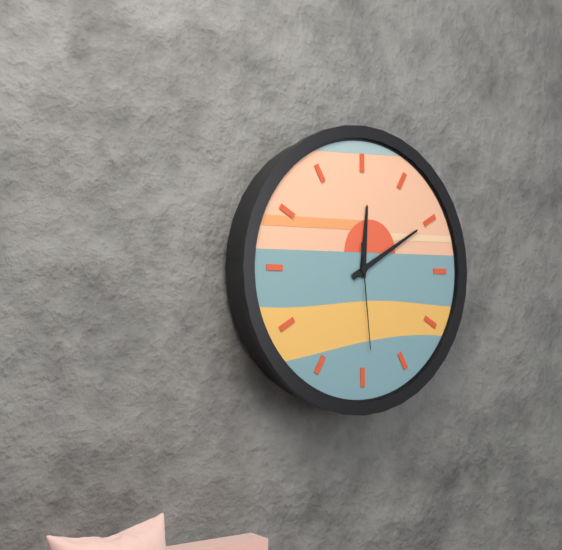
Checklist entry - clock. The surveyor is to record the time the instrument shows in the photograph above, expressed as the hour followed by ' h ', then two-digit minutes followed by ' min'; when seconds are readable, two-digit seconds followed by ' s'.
12 h 10 min 29 s
